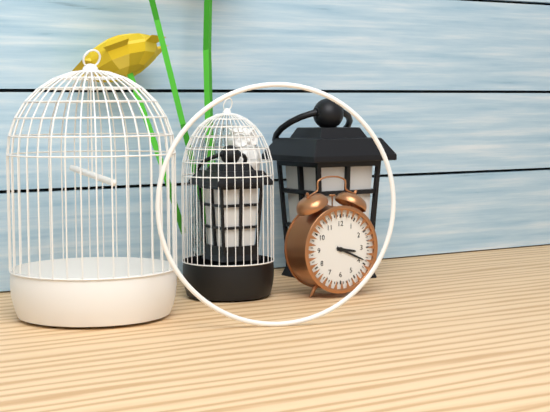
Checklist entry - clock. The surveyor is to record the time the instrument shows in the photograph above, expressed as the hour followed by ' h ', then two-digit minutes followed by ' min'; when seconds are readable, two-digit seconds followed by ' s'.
3 h 19 min
